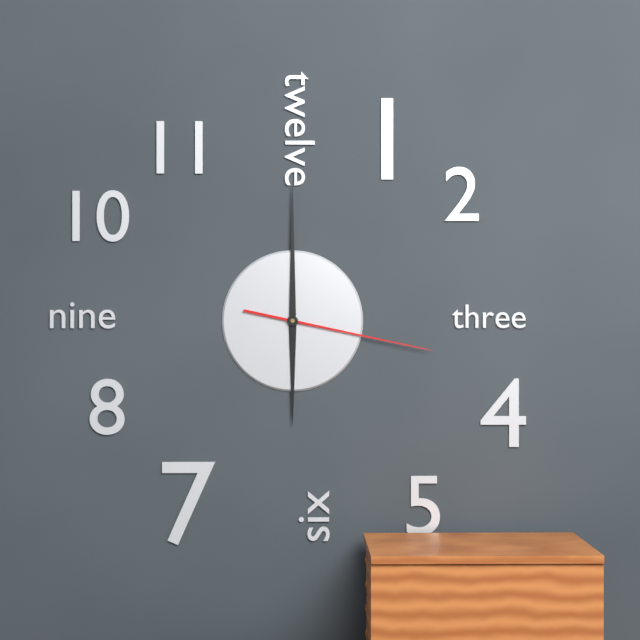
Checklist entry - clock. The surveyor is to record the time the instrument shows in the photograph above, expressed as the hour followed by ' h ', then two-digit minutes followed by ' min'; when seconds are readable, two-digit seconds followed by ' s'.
6 h 00 min 17 s
